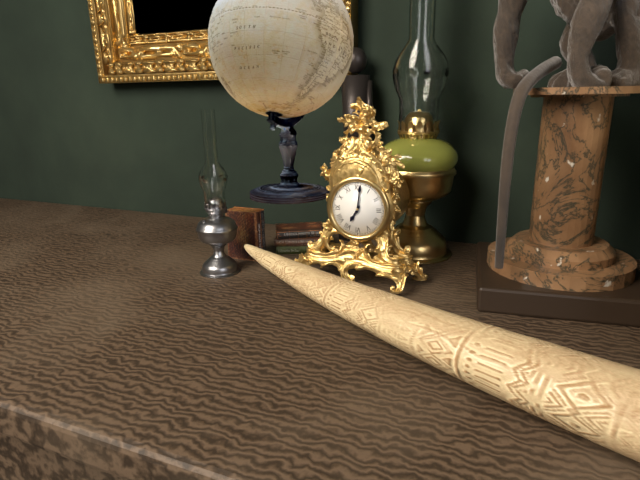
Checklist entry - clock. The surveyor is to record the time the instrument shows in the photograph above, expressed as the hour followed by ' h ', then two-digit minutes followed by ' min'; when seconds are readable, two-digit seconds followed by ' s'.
7 h 01 min
